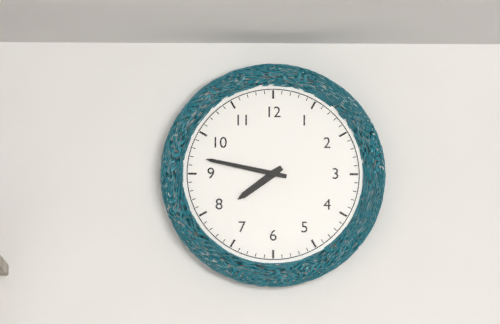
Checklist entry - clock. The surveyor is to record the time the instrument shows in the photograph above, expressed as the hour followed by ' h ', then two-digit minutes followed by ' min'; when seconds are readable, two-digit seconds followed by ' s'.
7 h 47 min
